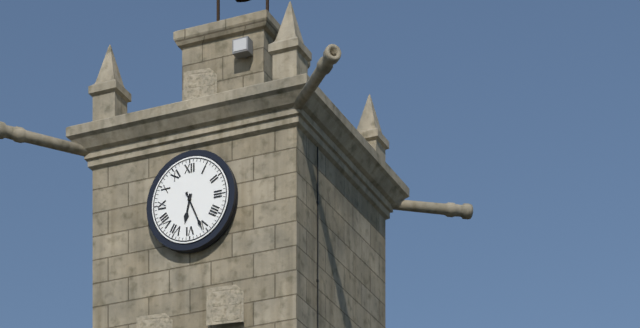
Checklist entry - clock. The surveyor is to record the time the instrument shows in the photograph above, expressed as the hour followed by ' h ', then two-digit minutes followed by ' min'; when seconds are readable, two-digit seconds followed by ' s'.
6 h 26 min
